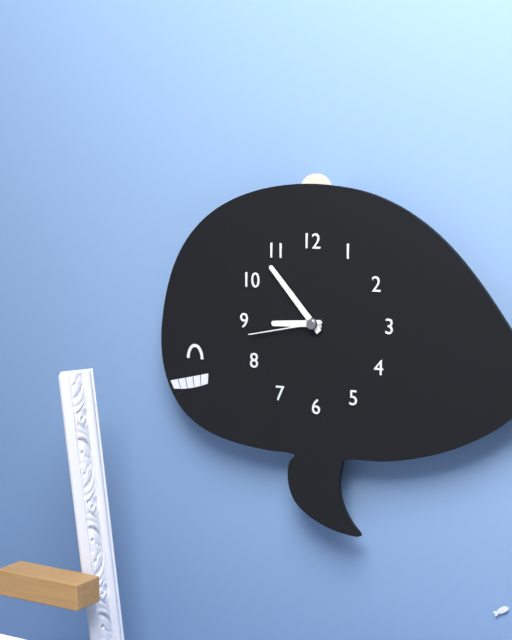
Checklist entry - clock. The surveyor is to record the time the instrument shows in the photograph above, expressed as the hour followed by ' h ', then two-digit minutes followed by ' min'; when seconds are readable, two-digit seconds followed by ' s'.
8 h 53 min 43 s
